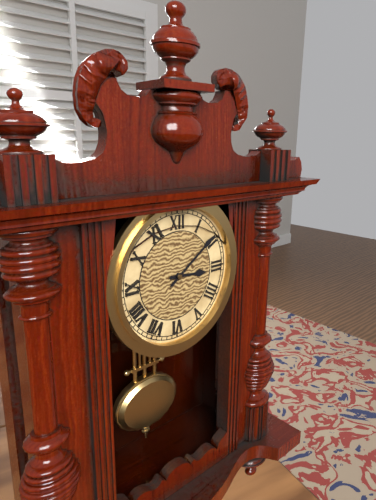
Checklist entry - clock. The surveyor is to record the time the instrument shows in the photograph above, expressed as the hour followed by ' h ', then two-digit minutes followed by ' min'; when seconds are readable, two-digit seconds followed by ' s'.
3 h 09 min
